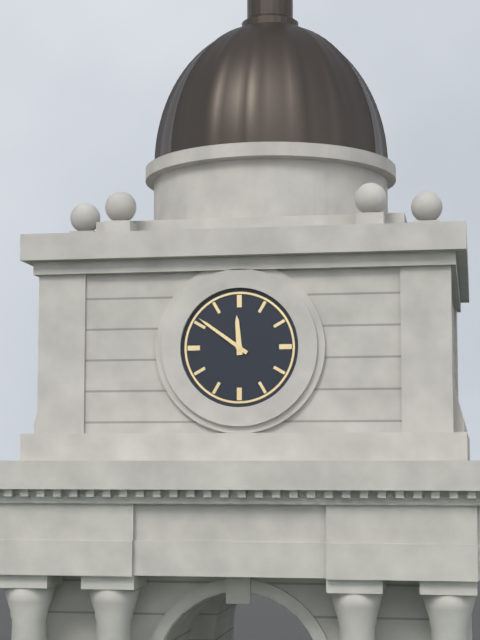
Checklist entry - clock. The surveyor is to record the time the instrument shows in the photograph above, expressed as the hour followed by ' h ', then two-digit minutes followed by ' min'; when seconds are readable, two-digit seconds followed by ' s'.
11 h 51 min
